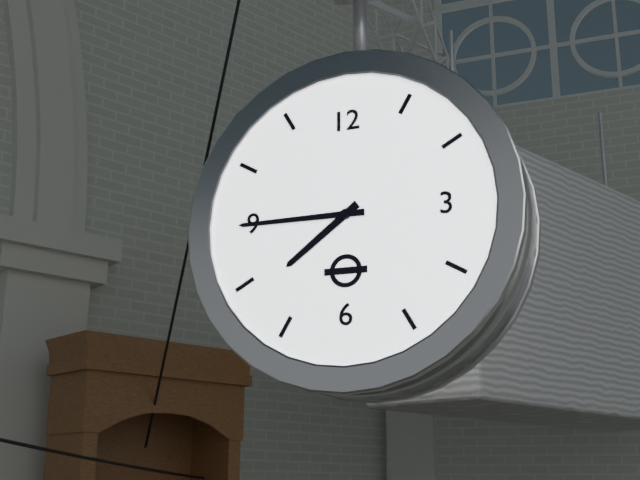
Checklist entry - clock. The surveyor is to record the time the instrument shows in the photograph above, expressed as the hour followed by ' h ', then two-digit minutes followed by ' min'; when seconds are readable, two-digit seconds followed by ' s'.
7 h 45 min
